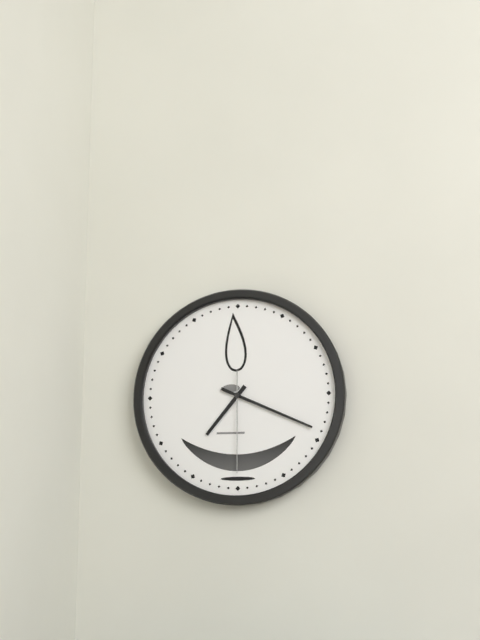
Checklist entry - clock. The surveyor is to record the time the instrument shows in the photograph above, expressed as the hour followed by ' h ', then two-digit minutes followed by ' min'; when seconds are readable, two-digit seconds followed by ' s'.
7 h 19 min 30 s
